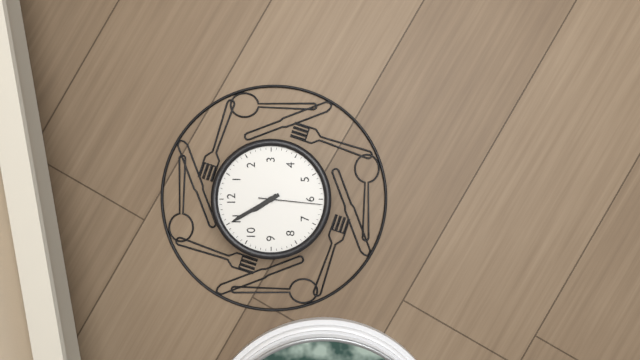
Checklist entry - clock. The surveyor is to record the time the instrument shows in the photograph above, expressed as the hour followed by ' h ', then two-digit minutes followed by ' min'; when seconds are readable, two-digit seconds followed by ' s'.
10 h 55 min 31 s
